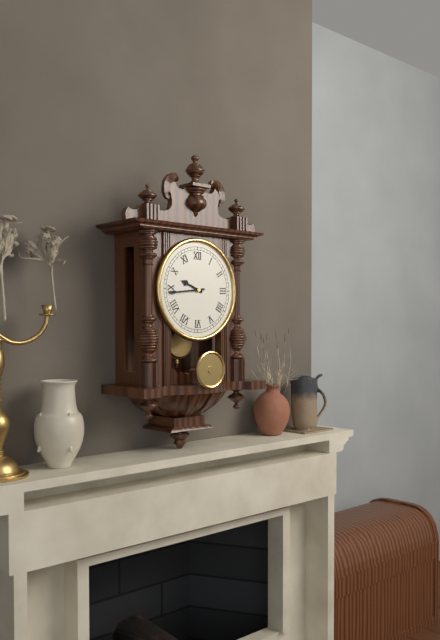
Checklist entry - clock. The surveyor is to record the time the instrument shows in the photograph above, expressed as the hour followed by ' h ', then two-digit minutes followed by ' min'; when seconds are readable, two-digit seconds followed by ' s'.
9 h 44 min
